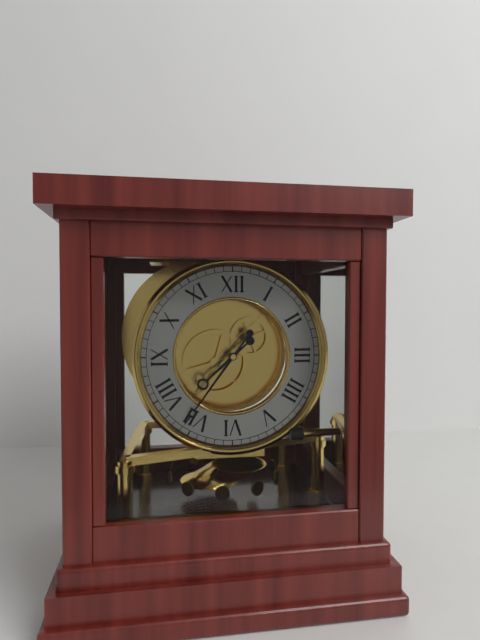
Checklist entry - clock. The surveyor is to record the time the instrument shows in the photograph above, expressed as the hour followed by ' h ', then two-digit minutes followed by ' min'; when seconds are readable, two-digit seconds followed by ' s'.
7 h 36 min
